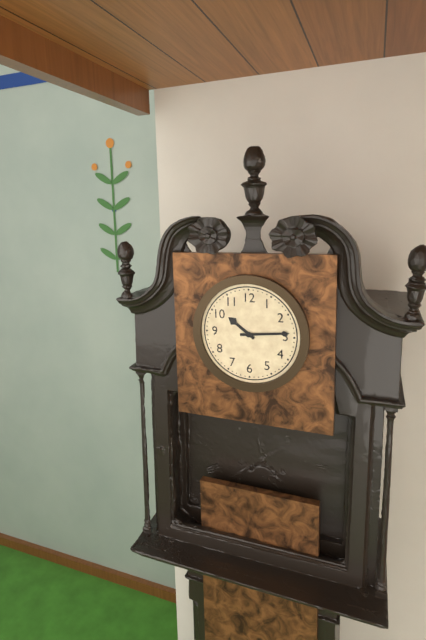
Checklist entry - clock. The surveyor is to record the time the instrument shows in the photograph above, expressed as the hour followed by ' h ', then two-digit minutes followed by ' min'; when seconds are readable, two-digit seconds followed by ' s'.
10 h 14 min
